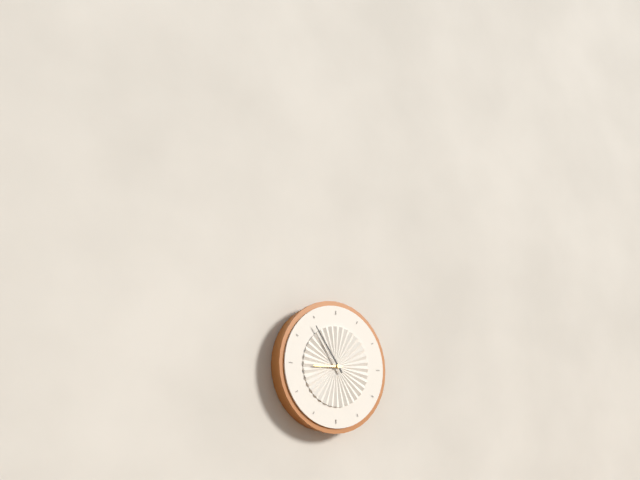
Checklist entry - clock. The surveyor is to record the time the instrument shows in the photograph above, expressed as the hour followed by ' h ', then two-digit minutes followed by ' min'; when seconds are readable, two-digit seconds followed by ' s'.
8 h 54 min
